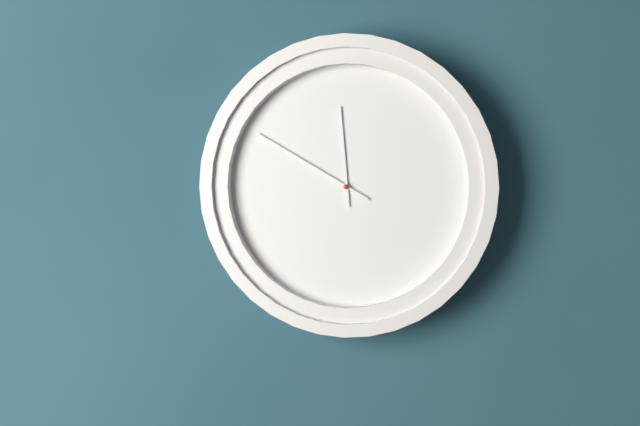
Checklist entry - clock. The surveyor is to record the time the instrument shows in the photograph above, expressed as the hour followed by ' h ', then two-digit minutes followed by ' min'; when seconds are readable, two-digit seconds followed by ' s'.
11 h 50 min
